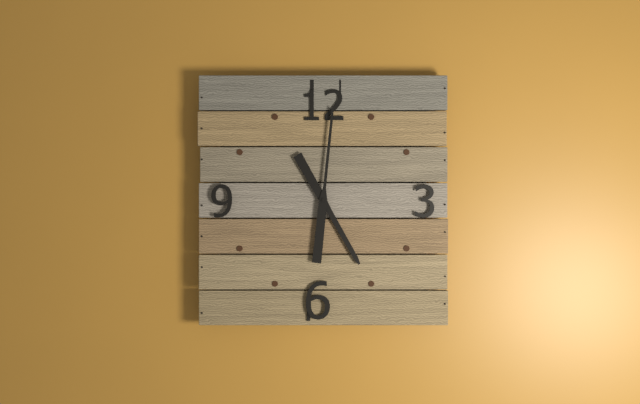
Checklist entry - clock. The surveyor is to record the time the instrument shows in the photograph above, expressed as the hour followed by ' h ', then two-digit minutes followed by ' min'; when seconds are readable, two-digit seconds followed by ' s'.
5 h 01 min
